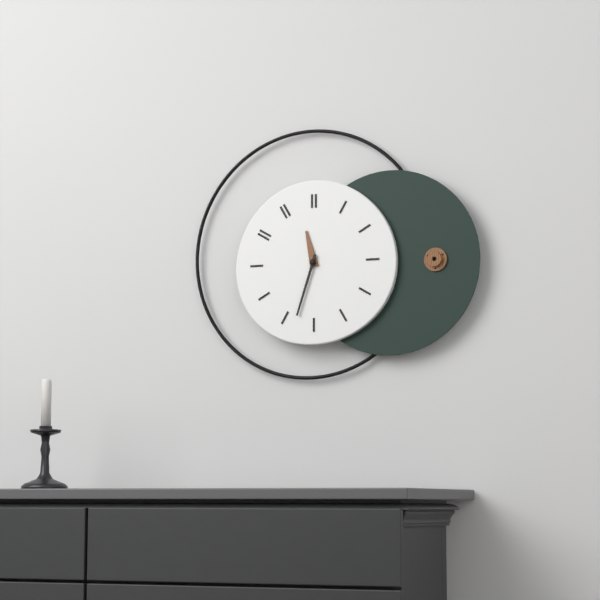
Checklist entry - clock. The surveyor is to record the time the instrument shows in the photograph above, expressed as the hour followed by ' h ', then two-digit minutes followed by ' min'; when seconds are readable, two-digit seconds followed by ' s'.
11 h 33 min
